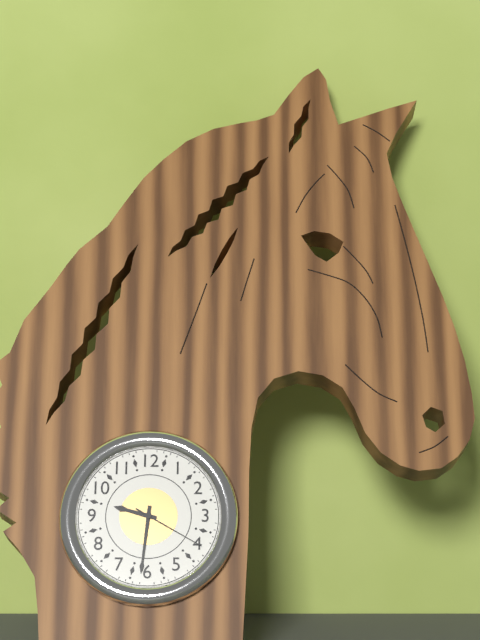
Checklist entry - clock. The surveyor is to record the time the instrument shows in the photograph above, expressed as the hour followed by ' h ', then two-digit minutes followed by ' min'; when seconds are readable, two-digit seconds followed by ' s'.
9 h 31 min 20 s
